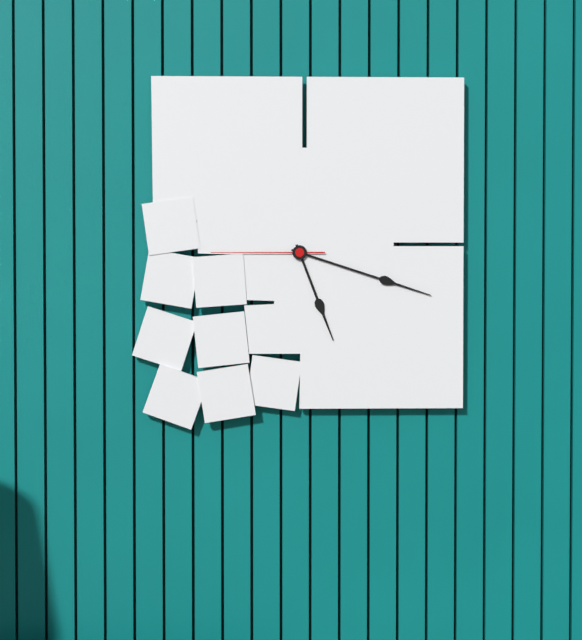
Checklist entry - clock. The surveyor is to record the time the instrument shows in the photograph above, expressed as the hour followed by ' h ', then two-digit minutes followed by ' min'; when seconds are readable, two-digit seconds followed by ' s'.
5 h 18 min 45 s
